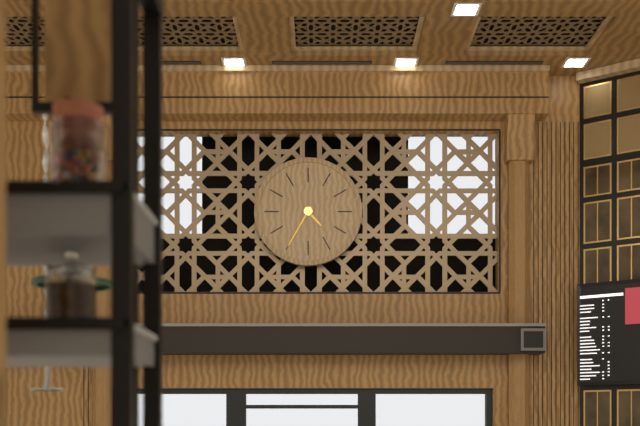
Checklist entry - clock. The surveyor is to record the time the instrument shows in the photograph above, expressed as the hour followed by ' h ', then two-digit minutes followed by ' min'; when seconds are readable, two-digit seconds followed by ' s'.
4 h 35 min
